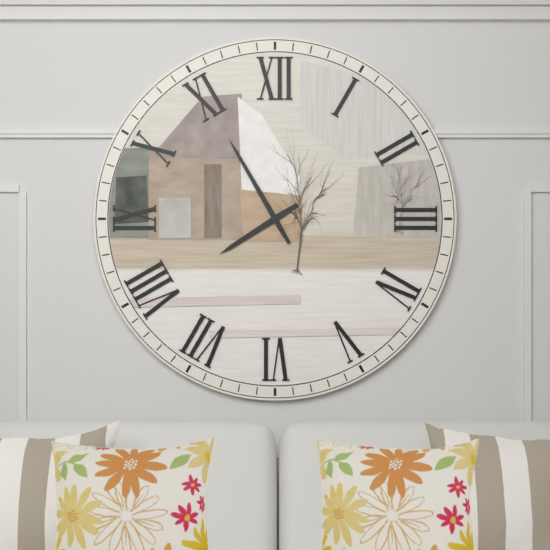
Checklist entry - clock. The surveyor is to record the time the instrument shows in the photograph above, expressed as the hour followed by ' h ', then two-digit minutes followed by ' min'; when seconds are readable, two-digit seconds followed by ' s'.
7 h 55 min
